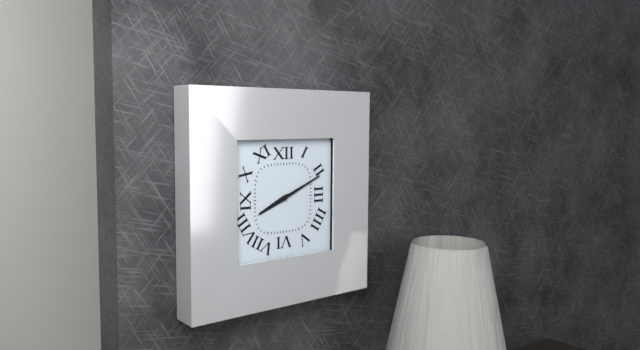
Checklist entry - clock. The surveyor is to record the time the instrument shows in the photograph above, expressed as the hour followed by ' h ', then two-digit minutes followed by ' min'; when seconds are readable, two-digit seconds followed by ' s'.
8 h 11 min
